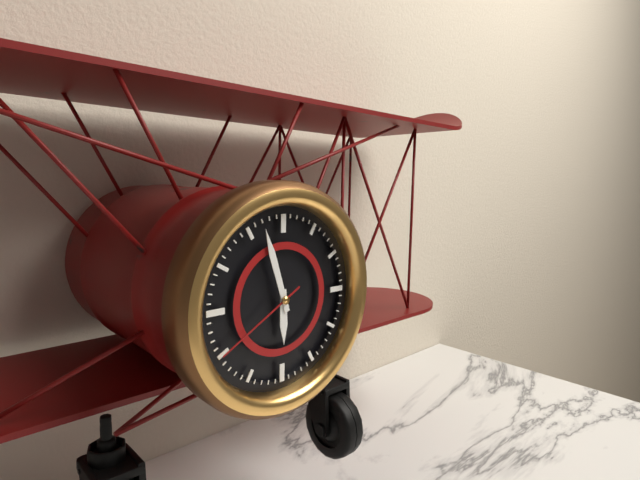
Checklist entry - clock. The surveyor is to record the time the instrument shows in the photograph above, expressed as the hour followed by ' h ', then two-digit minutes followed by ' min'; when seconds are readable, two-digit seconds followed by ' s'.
5 h 57 min 40 s
